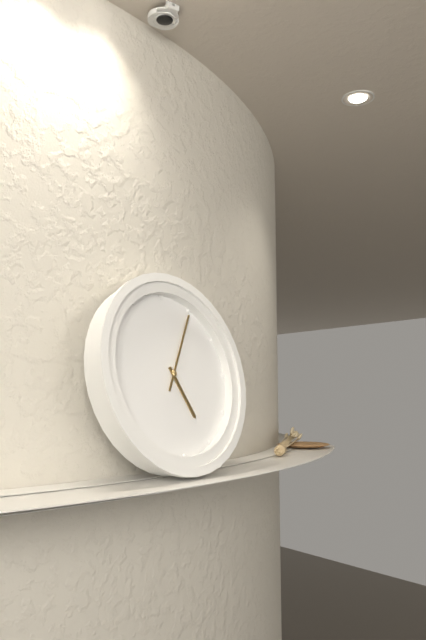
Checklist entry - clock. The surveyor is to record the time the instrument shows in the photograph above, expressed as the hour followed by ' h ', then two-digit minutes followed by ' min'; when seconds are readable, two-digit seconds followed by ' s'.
5 h 05 min
